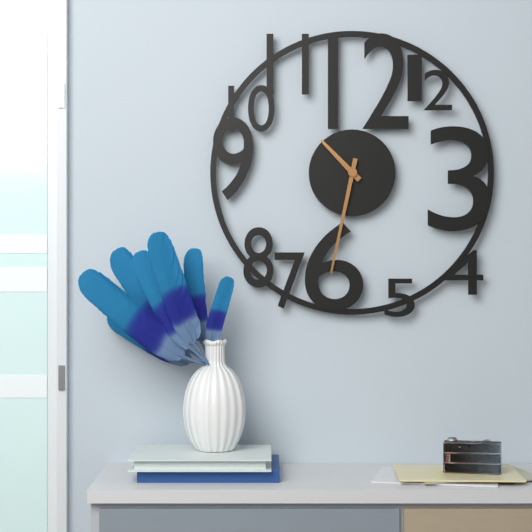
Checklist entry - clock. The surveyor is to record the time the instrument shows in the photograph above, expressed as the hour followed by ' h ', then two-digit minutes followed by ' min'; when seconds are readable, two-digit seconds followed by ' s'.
10 h 32 min
